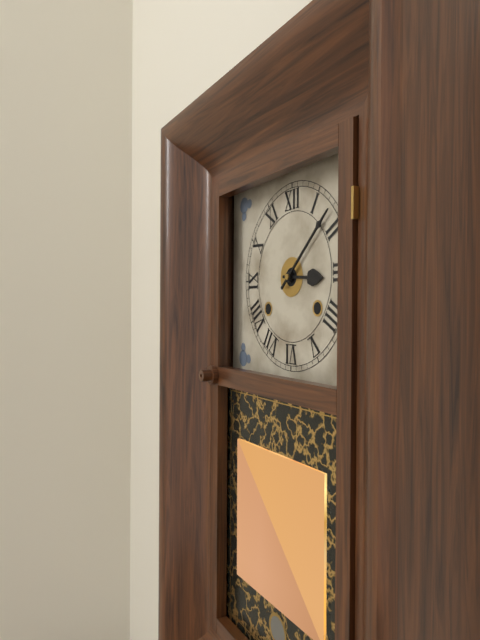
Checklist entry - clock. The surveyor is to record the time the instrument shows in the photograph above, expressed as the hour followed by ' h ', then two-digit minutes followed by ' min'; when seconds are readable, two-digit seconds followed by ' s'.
3 h 08 min
